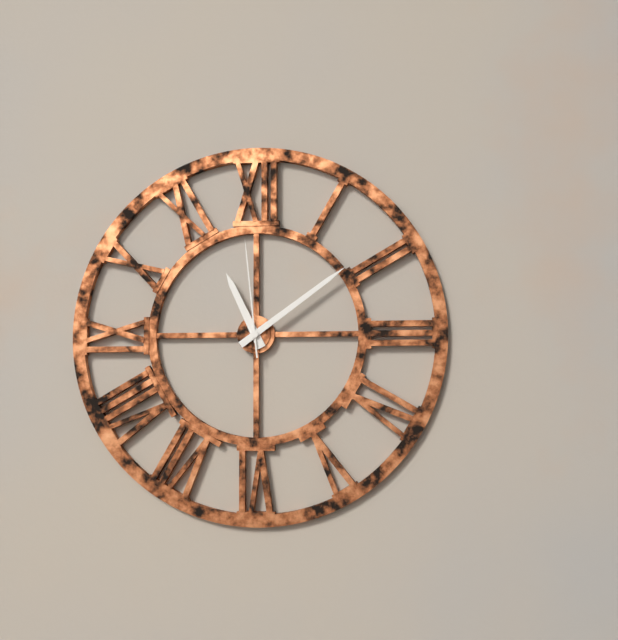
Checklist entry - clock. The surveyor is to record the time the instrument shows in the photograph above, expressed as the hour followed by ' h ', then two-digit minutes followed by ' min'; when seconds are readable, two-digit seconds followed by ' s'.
11 h 09 min 59 s
